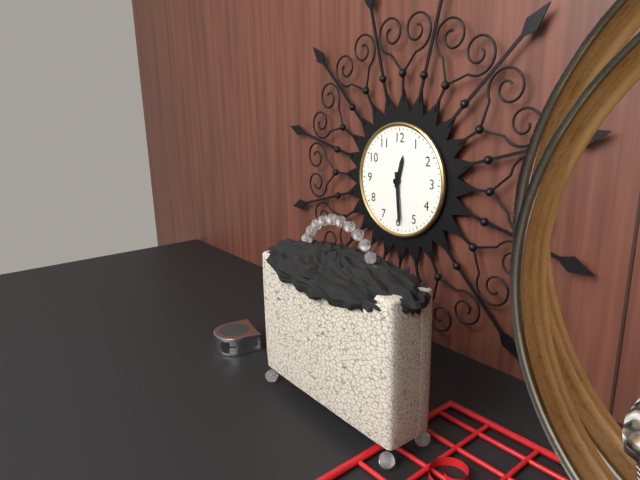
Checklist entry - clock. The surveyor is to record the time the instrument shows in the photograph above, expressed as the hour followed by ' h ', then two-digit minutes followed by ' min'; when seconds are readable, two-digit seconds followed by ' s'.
12 h 29 min
